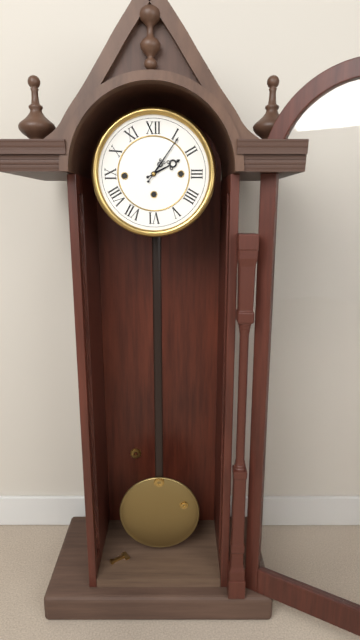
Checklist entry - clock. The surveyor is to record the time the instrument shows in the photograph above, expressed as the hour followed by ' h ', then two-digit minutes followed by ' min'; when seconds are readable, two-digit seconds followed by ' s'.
2 h 06 min
